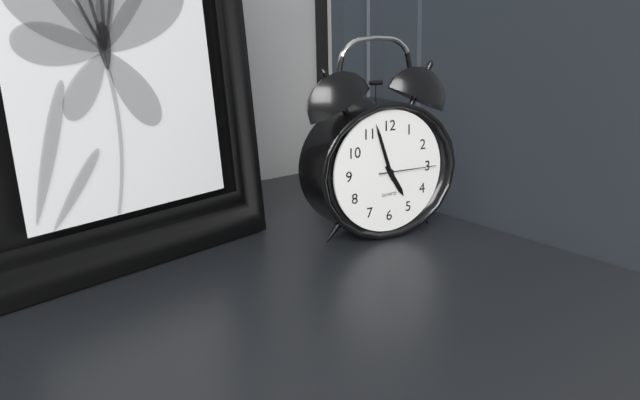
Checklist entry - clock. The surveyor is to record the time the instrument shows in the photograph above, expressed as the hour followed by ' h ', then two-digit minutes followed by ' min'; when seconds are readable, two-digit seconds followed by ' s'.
4 h 57 min 15 s
